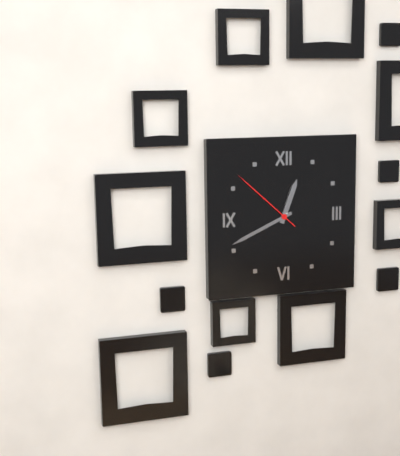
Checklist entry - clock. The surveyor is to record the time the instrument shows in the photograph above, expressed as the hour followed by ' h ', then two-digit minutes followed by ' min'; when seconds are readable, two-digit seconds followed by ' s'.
12 h 41 min 52 s
